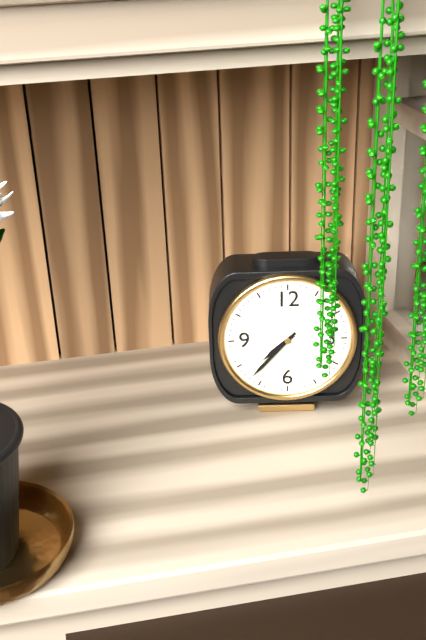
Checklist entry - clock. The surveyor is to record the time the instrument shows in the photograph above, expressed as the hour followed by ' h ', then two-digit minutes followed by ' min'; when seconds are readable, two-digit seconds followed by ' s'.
7 h 37 min
